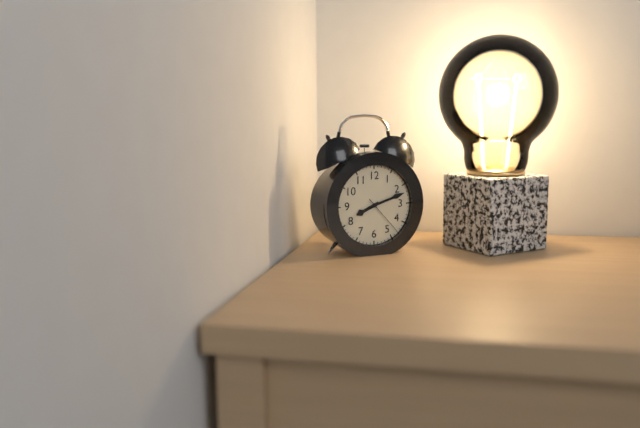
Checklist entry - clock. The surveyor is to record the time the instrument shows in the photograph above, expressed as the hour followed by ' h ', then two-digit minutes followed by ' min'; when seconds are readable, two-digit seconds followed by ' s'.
8 h 12 min
